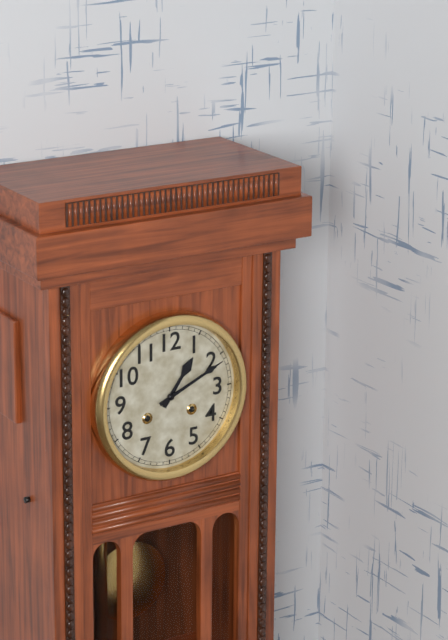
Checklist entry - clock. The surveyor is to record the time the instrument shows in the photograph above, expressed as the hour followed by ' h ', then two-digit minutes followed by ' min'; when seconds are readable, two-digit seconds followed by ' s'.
1 h 11 min
